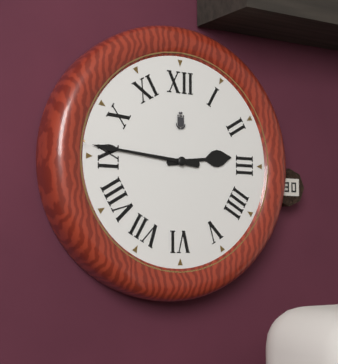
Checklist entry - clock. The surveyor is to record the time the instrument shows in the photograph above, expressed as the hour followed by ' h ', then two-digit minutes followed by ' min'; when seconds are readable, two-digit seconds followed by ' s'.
2 h 46 min
